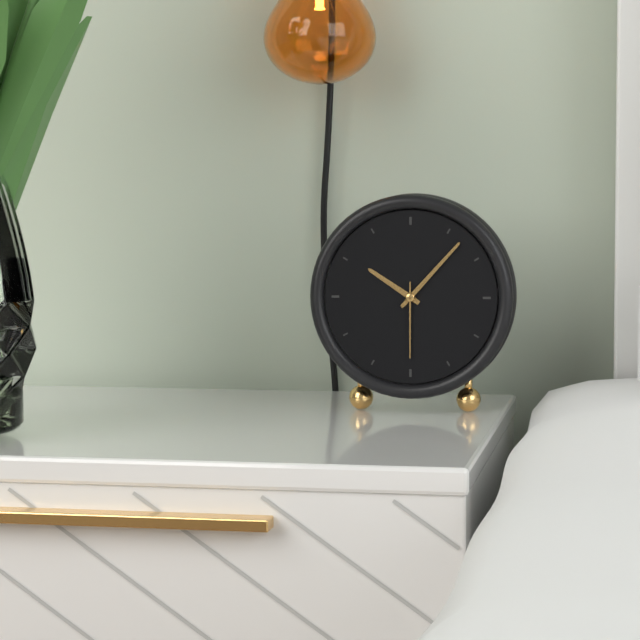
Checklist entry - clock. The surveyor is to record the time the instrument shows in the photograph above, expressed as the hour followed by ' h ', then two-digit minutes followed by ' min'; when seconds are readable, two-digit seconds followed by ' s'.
10 h 07 min 30 s
